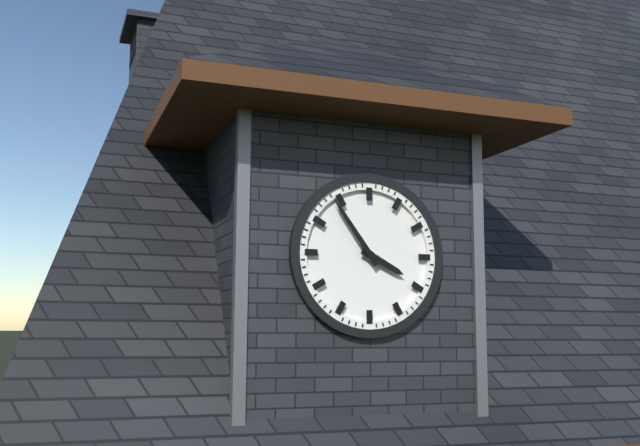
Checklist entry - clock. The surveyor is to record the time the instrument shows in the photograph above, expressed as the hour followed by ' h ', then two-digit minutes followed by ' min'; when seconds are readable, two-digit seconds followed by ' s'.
3 h 54 min
